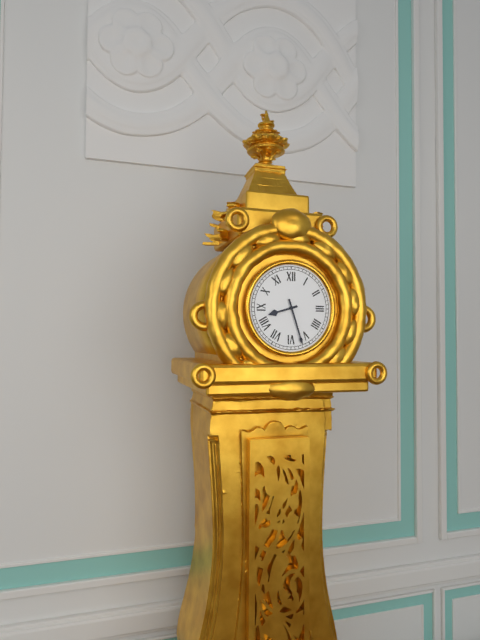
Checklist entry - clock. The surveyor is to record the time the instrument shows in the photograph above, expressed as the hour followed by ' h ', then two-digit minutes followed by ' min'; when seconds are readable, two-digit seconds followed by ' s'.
8 h 27 min
